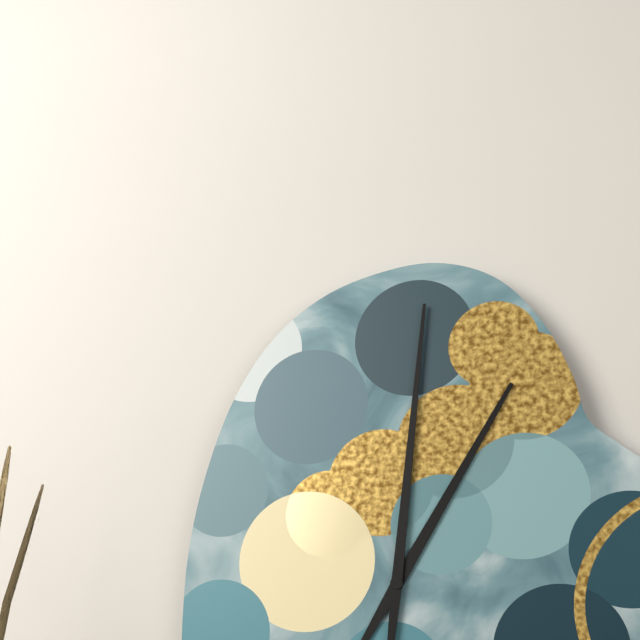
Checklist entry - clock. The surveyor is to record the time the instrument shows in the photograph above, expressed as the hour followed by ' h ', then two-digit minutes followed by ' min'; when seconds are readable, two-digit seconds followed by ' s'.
1 h 01 min
